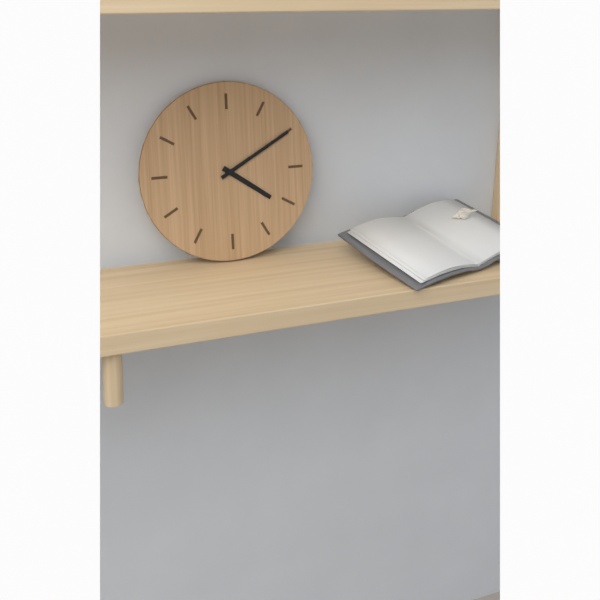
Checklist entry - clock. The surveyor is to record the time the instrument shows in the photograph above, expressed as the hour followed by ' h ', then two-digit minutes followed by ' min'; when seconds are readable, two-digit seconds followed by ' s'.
4 h 10 min
